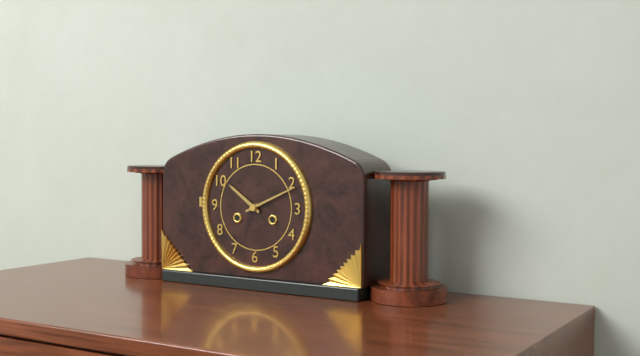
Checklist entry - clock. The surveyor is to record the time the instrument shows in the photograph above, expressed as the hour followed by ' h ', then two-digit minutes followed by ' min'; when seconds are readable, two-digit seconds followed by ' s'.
10 h 11 min
